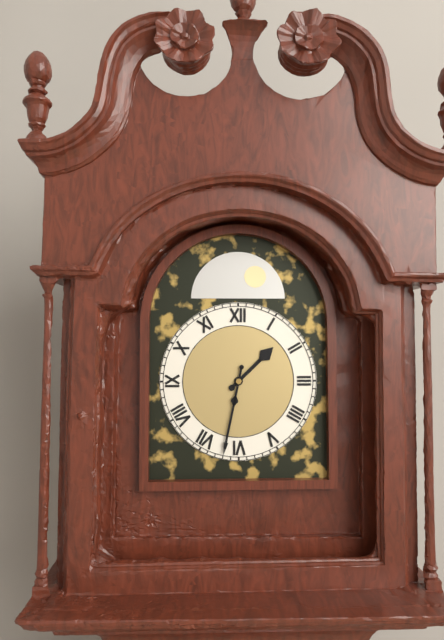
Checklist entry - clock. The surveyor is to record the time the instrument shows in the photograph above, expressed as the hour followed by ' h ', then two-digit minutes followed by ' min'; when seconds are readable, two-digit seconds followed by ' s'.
1 h 32 min
